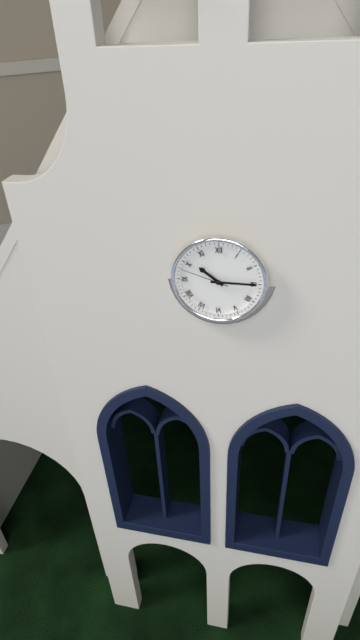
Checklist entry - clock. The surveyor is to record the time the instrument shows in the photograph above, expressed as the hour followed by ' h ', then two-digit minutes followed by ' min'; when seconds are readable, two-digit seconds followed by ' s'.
10 h 15 min 48 s
